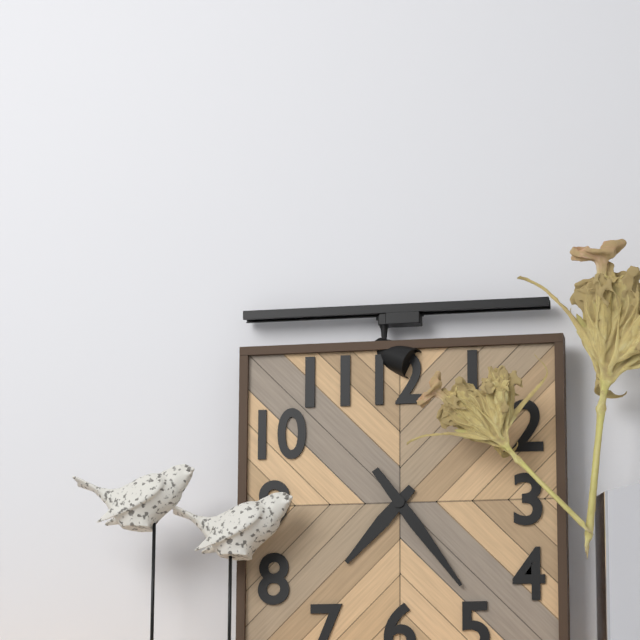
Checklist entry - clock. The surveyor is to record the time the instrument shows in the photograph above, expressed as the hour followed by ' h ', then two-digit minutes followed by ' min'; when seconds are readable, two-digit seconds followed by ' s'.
7 h 24 min
